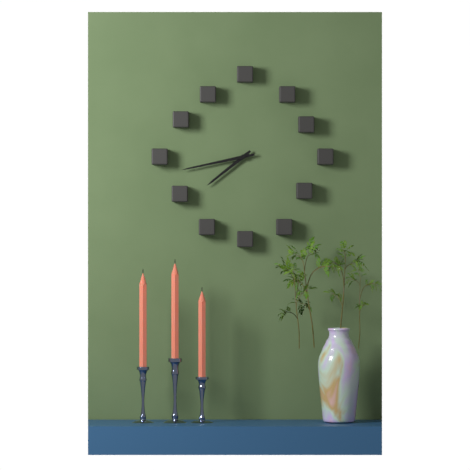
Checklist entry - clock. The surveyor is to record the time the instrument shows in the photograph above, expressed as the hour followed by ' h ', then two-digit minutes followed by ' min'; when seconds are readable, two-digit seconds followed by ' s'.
7 h 43 min
